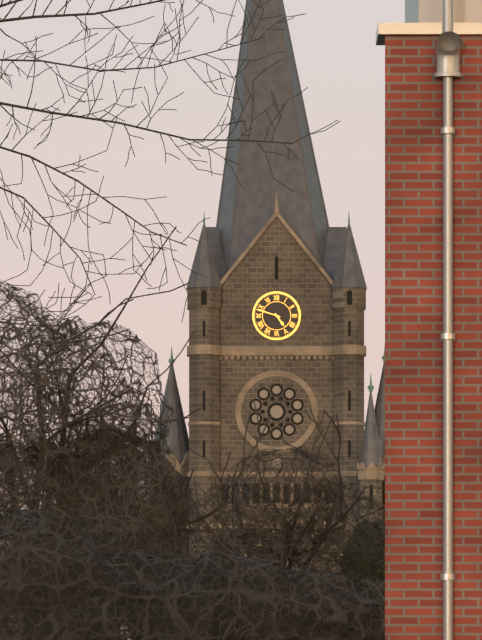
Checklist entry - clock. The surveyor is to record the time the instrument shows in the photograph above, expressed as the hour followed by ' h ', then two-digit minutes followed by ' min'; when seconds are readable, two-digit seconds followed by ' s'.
4 h 48 min
